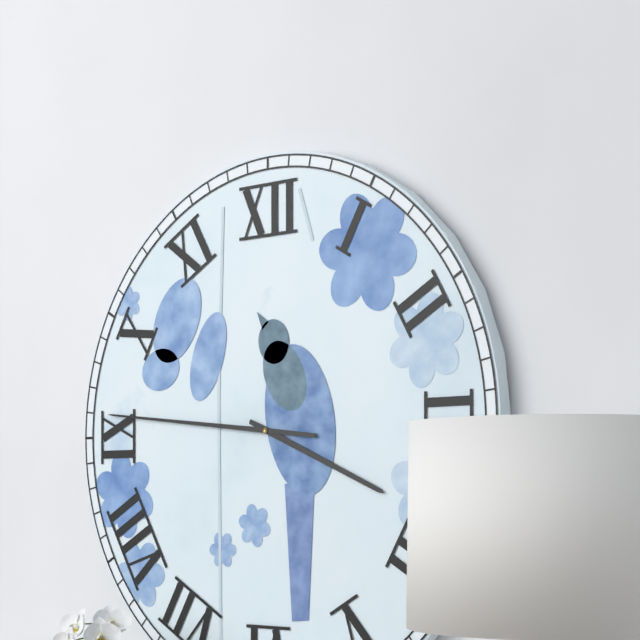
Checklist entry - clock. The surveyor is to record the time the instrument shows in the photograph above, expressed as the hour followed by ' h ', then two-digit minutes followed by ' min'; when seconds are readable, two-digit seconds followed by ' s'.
3 h 46 min
